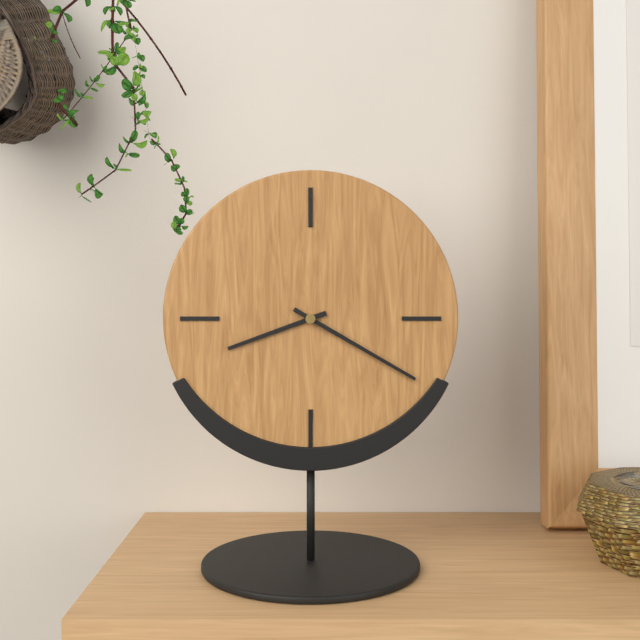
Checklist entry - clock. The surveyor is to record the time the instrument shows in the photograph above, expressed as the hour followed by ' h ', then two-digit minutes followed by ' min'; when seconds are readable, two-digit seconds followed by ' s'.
8 h 20 min
